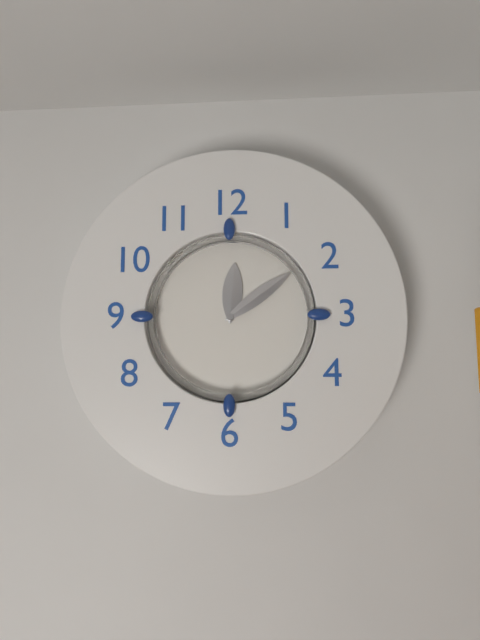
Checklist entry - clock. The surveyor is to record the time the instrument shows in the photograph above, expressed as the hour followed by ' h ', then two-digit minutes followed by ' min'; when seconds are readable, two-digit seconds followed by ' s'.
12 h 09 min
